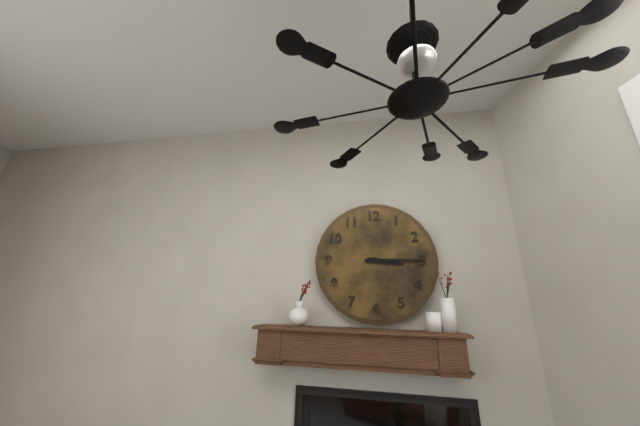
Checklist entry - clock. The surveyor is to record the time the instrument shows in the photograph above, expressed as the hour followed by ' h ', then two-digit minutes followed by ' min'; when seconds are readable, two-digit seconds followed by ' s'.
3 h 15 min
